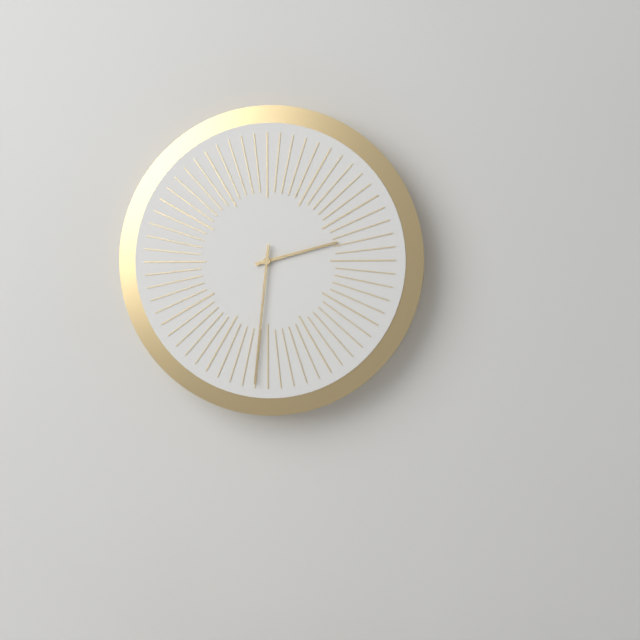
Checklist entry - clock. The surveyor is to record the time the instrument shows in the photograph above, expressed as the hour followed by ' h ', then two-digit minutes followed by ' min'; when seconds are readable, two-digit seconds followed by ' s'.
2 h 31 min
